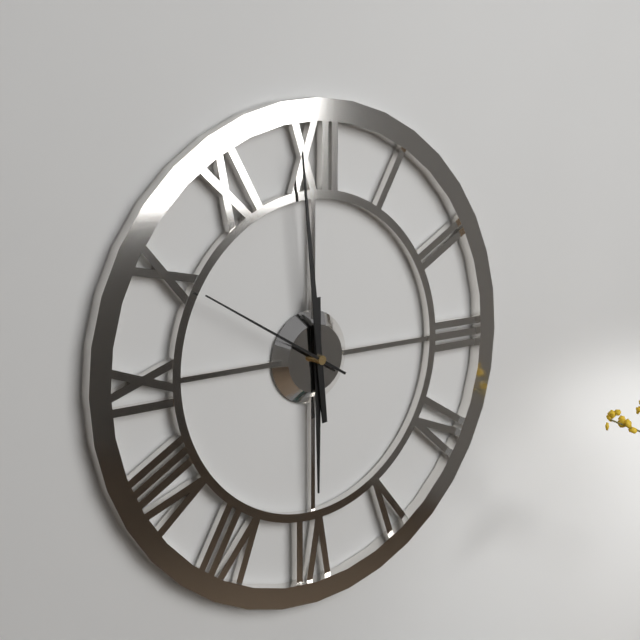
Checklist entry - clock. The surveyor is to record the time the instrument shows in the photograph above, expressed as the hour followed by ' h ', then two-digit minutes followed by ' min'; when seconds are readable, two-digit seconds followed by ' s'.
5 h 59 min 50 s
